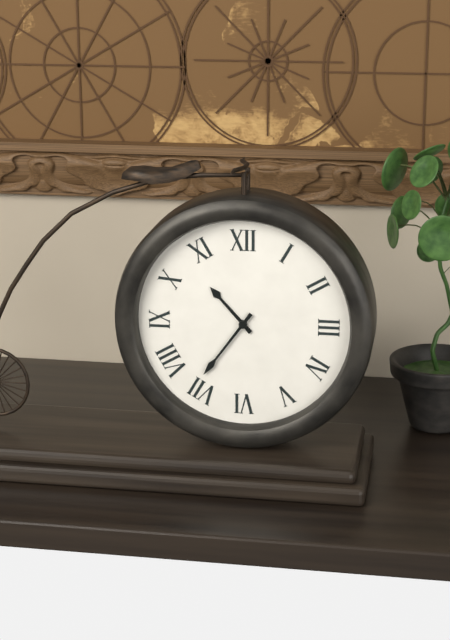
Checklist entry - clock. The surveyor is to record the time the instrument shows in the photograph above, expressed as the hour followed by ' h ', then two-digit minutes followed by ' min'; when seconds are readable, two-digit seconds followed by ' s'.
10 h 36 min
